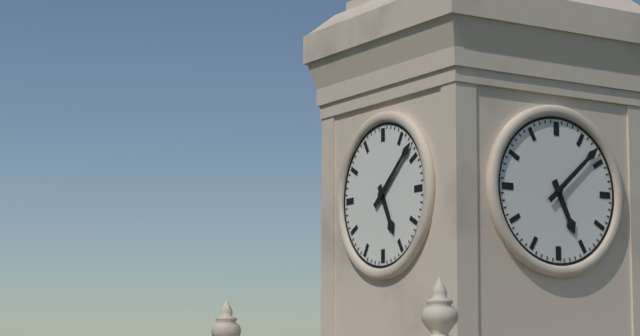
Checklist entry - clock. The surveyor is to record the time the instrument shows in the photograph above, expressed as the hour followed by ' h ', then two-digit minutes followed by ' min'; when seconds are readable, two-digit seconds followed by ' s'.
5 h 08 min
